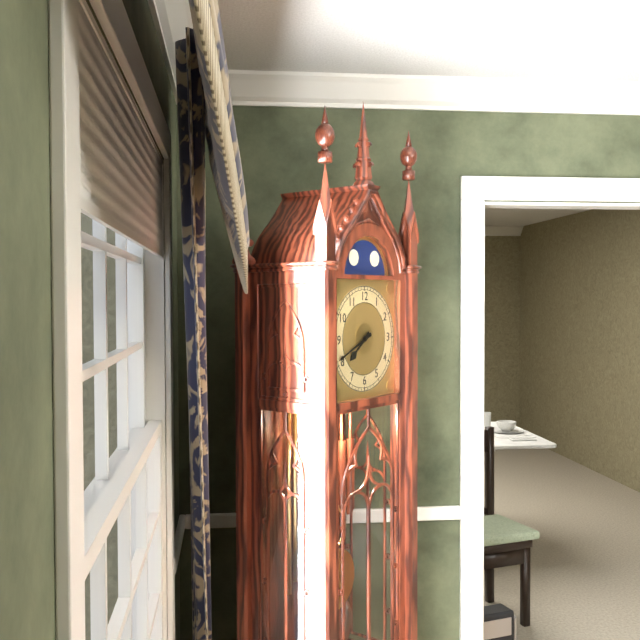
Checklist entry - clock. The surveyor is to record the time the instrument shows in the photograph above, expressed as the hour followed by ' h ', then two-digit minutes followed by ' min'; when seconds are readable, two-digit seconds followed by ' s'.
7 h 41 min
